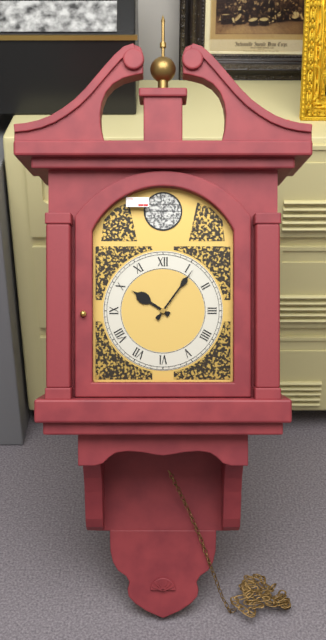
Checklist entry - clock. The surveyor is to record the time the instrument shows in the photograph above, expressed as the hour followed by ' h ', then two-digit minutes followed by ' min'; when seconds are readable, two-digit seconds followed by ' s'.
10 h 06 min
